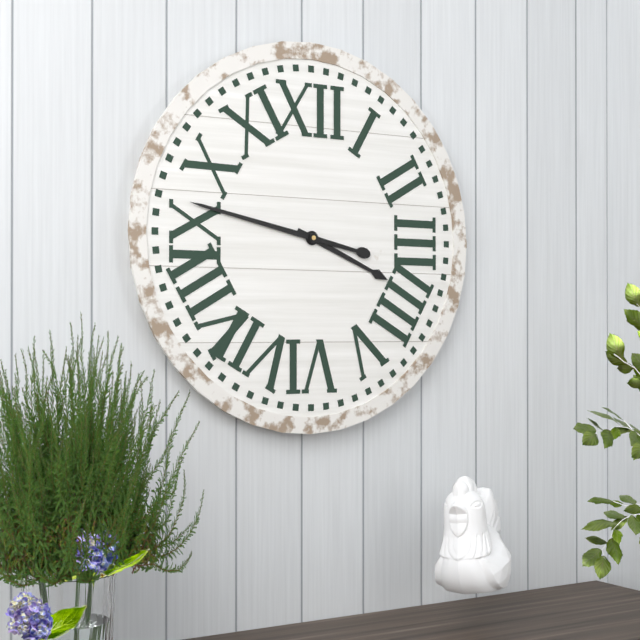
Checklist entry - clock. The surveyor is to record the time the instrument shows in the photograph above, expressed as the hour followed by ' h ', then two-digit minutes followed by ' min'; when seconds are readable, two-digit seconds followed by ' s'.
3 h 47 min
